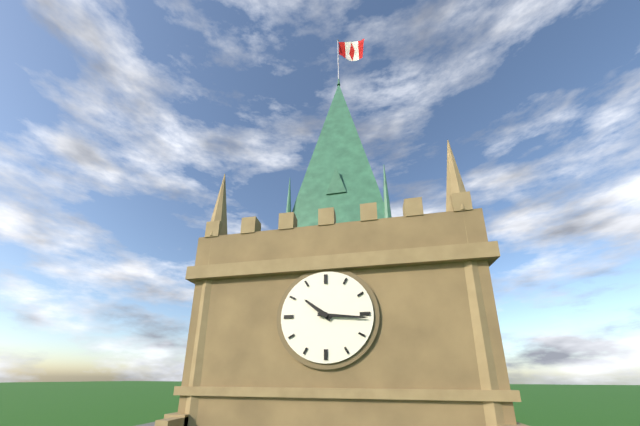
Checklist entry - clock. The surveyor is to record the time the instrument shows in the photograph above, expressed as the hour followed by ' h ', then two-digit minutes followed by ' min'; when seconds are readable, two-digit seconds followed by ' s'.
10 h 16 min
